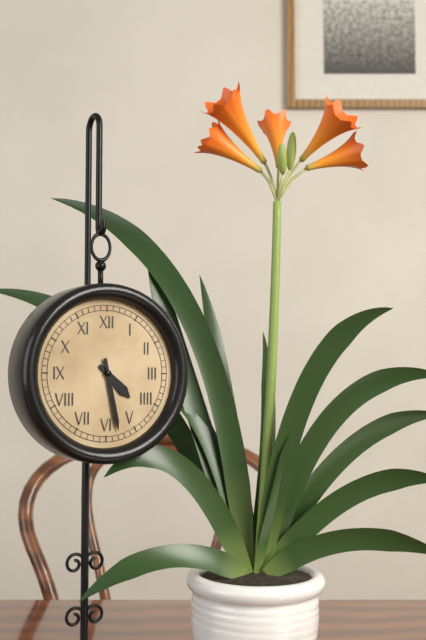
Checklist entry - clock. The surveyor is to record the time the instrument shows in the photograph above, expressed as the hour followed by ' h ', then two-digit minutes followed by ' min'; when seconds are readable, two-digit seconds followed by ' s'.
4 h 28 min
